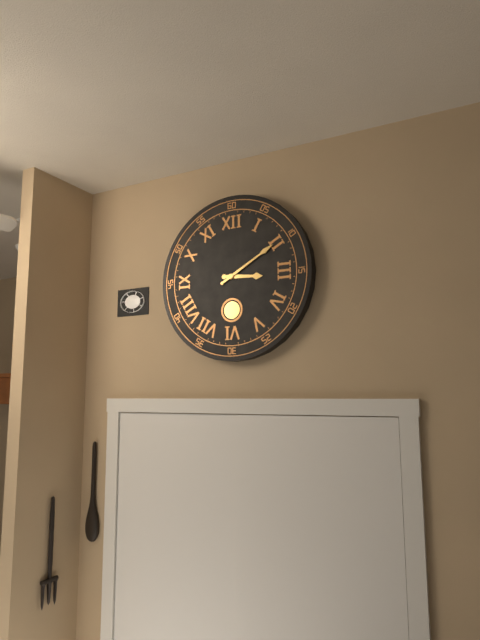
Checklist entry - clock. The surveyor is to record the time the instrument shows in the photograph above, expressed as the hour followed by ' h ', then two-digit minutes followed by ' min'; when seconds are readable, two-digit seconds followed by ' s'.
3 h 10 min
